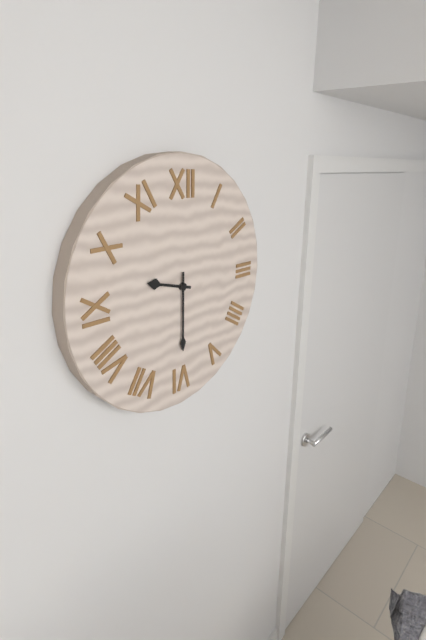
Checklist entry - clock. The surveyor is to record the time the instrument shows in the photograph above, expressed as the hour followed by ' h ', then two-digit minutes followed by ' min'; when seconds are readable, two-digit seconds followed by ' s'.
9 h 30 min
